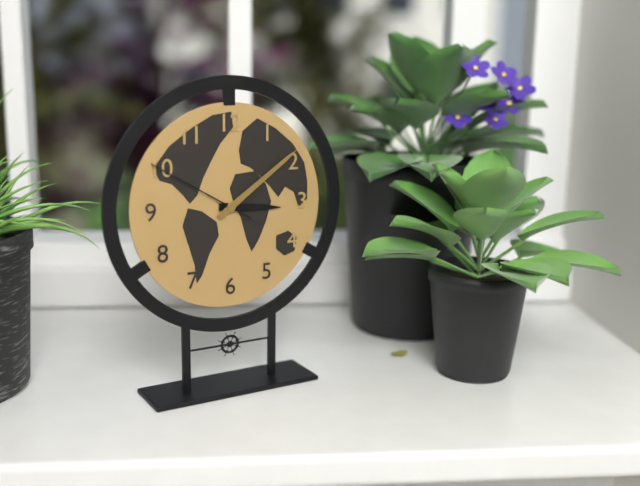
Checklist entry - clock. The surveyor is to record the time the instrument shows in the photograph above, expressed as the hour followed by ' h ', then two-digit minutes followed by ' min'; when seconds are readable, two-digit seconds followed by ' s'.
3 h 09 min 50 s
